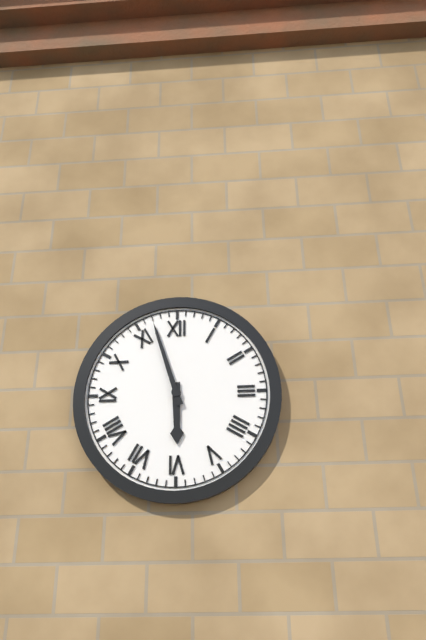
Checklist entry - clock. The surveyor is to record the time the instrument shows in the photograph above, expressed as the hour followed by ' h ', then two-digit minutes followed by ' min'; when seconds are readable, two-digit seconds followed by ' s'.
5 h 57 min
